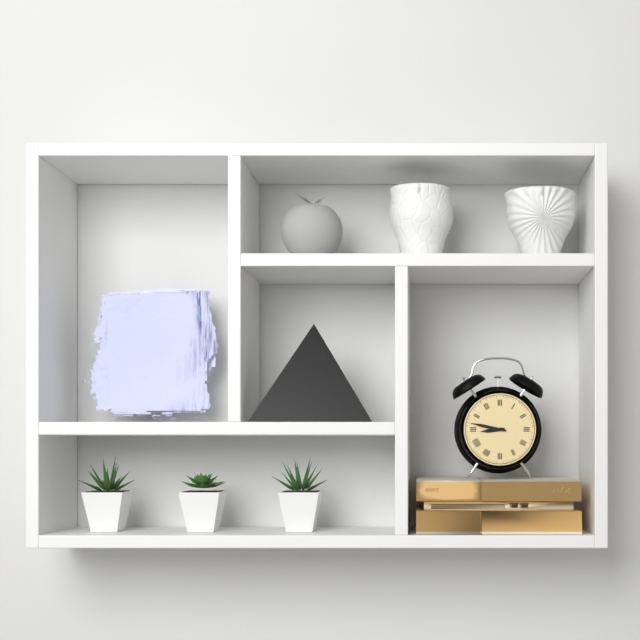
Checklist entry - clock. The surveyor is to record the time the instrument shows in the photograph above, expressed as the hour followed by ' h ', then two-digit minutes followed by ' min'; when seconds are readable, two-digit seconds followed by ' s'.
8 h 47 min
